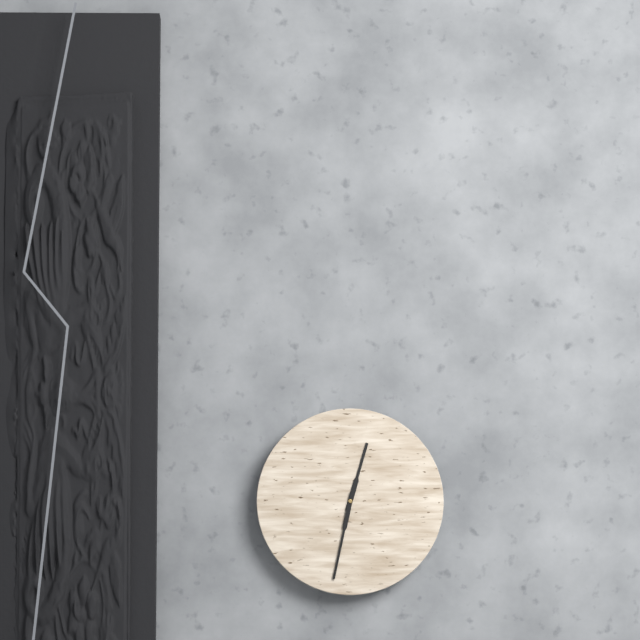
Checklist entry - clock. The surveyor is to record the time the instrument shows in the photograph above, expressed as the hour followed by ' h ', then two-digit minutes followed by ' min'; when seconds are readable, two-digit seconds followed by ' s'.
12 h 32 min
